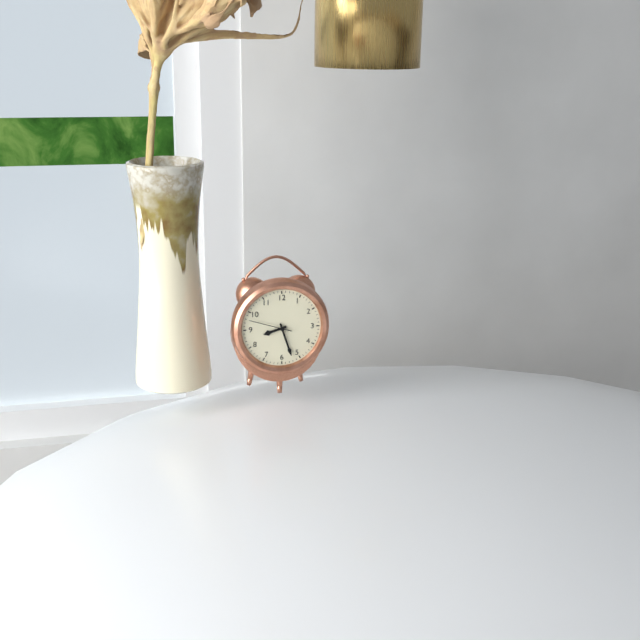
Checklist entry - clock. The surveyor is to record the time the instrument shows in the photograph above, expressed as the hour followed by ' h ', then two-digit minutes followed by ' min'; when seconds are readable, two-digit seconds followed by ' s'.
8 h 27 min
